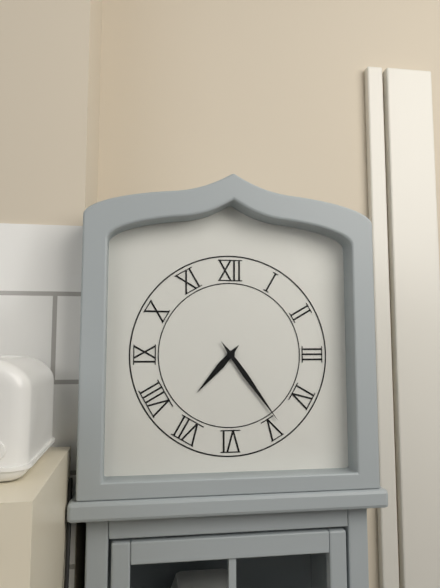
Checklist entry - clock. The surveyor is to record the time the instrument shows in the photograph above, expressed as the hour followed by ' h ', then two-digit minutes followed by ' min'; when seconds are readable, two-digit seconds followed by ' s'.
7 h 24 min
